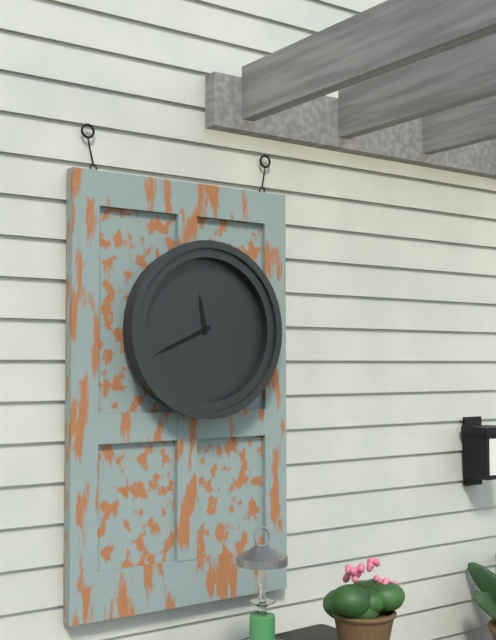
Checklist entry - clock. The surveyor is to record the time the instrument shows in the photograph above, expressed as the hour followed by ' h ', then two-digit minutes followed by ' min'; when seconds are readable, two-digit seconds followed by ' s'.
11 h 41 min
